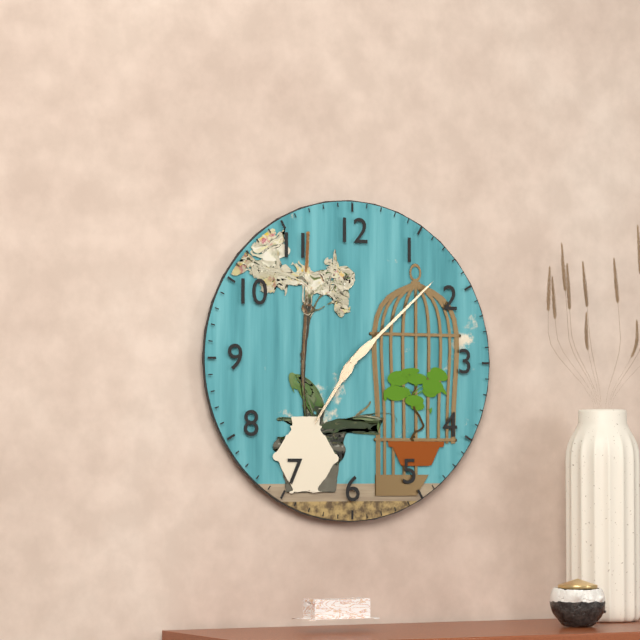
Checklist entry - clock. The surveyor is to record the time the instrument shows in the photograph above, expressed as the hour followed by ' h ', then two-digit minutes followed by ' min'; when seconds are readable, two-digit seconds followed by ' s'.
7 h 08 min
